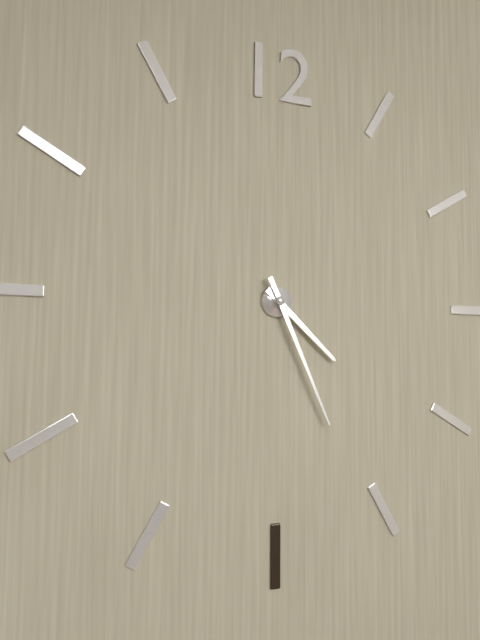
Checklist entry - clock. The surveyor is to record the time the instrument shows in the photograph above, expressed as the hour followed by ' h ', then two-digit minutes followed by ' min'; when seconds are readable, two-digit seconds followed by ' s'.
4 h 26 min
